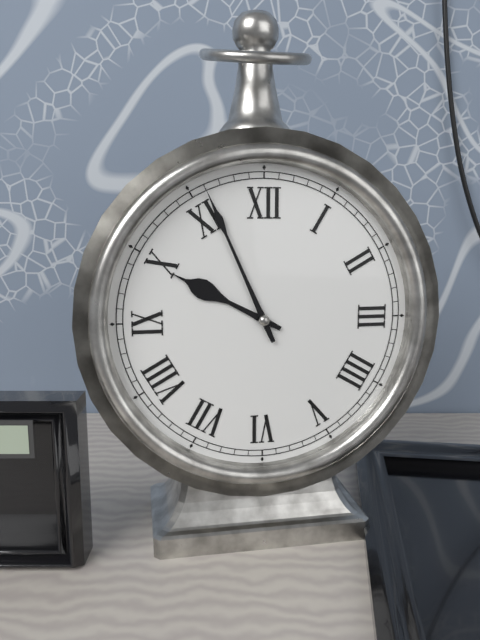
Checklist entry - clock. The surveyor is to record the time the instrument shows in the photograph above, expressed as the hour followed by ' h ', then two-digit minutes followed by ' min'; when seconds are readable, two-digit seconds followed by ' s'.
9 h 56 min
